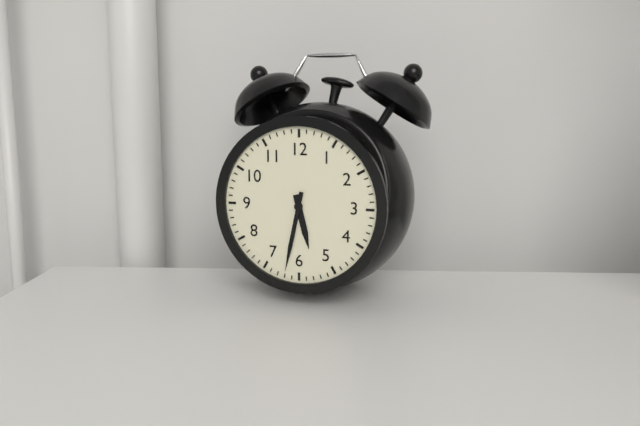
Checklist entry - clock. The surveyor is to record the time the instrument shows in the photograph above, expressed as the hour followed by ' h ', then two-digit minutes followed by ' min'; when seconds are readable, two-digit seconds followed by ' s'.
5 h 32 min
